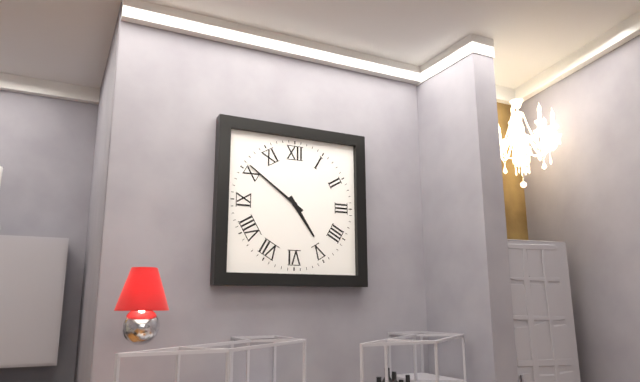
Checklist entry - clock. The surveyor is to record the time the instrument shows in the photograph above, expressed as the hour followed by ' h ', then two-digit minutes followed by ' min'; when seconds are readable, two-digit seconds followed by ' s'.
4 h 51 min
